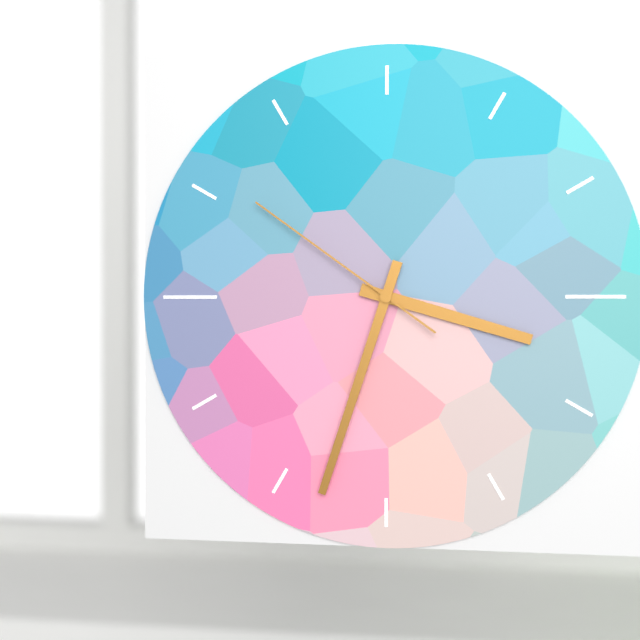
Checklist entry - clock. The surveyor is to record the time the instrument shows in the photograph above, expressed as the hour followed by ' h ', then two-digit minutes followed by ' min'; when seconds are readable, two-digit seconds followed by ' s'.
3 h 33 min 51 s
